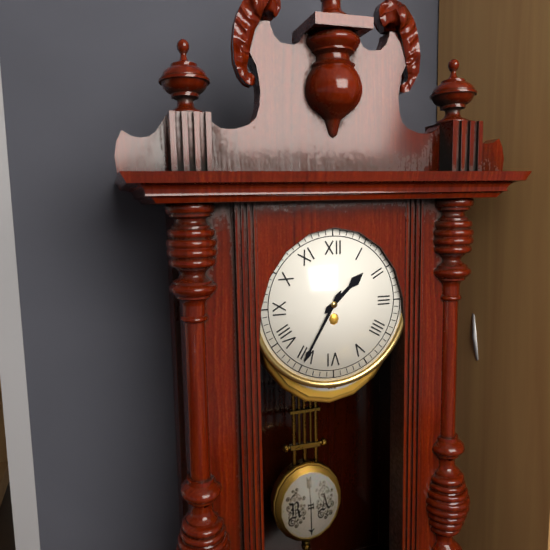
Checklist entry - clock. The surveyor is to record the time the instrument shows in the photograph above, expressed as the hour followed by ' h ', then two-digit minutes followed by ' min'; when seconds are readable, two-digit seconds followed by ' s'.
1 h 35 min
